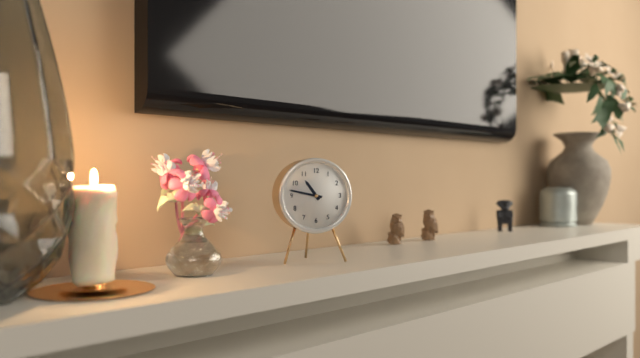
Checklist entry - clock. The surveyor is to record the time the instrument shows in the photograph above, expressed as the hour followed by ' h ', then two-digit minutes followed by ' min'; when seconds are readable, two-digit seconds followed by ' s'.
10 h 47 min
